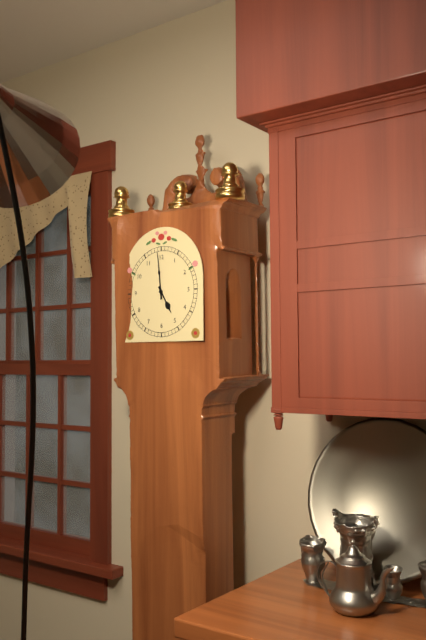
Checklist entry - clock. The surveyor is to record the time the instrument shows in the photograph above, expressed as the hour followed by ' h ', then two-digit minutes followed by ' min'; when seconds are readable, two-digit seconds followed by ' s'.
4 h 59 min
